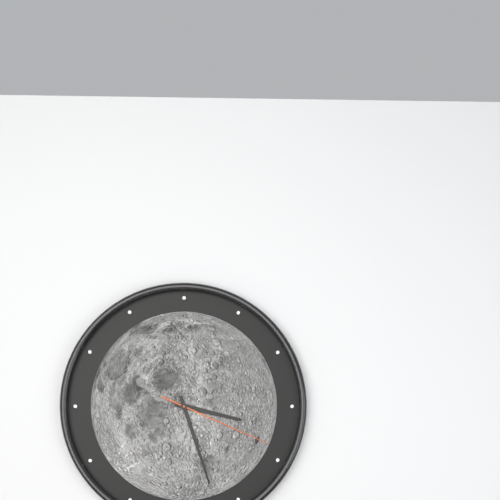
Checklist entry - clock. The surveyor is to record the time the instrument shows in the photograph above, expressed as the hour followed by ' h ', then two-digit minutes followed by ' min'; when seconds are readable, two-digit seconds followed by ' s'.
3 h 27 min 19 s
